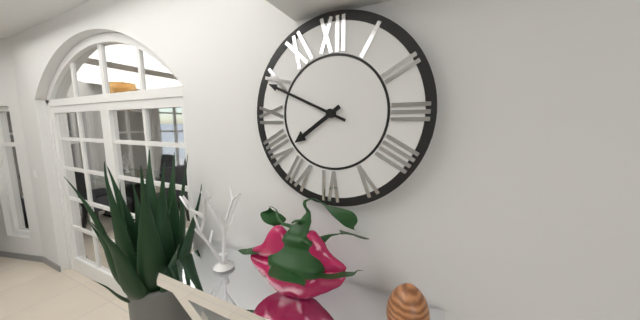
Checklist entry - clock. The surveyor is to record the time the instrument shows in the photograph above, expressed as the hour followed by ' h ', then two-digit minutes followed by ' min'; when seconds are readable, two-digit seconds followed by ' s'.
7 h 49 min
